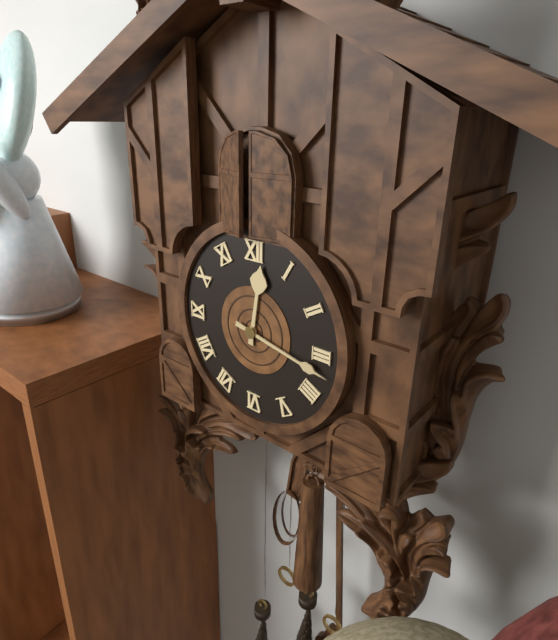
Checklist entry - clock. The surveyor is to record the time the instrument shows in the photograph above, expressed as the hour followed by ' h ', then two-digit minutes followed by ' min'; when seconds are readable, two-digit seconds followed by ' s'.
12 h 17 min
